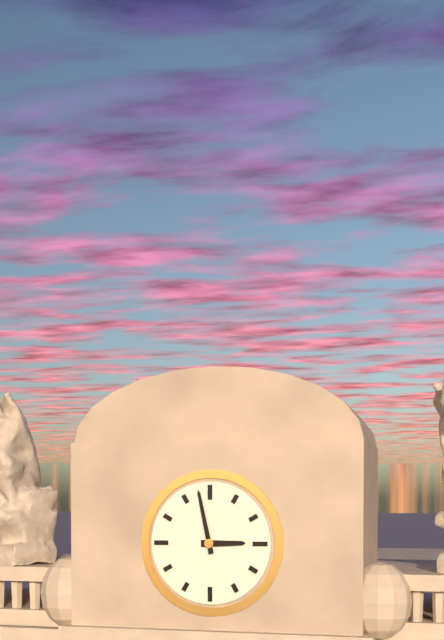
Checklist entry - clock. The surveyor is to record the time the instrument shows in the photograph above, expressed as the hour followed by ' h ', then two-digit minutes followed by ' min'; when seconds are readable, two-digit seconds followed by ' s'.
2 h 58 min
